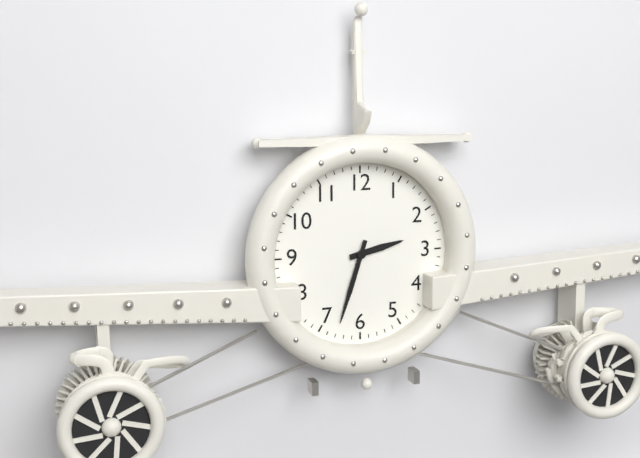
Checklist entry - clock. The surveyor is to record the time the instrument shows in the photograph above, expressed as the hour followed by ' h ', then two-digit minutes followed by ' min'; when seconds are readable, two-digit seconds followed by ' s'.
2 h 33 min
